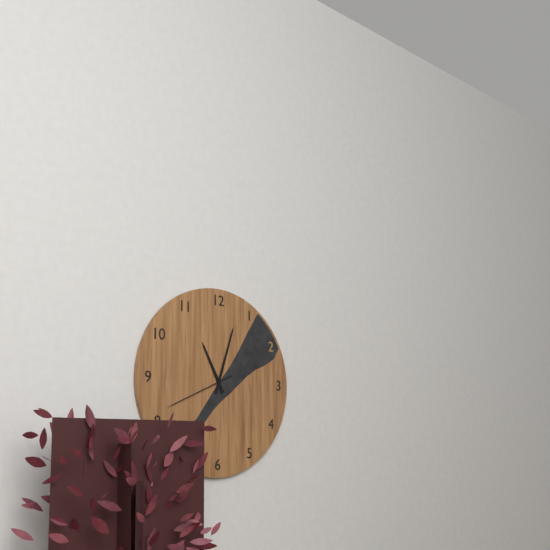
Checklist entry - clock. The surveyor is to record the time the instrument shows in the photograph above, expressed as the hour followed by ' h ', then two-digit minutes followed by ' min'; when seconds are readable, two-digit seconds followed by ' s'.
11 h 03 min 41 s
